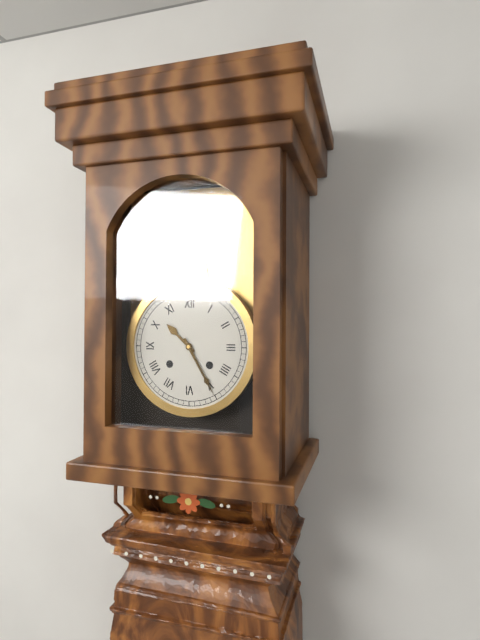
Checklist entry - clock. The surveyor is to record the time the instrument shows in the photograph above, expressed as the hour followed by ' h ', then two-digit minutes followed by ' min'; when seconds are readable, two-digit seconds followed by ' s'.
10 h 25 min
